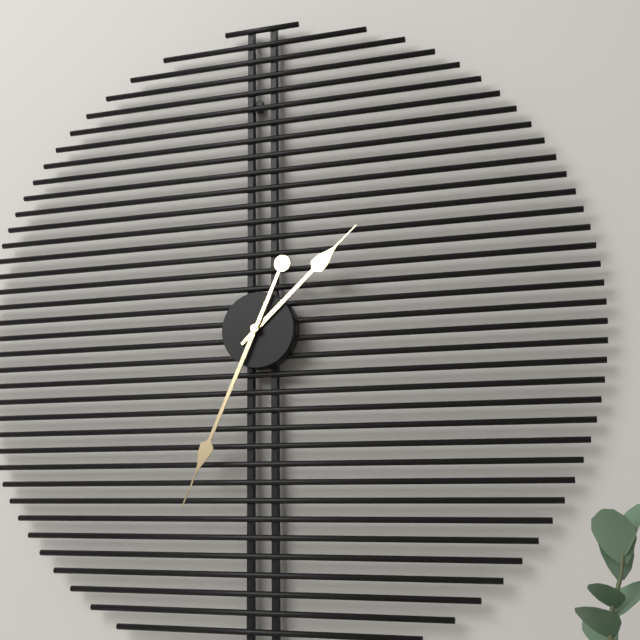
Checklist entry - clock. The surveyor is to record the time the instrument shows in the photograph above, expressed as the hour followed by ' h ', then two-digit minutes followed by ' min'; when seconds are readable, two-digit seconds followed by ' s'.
1 h 34 min
